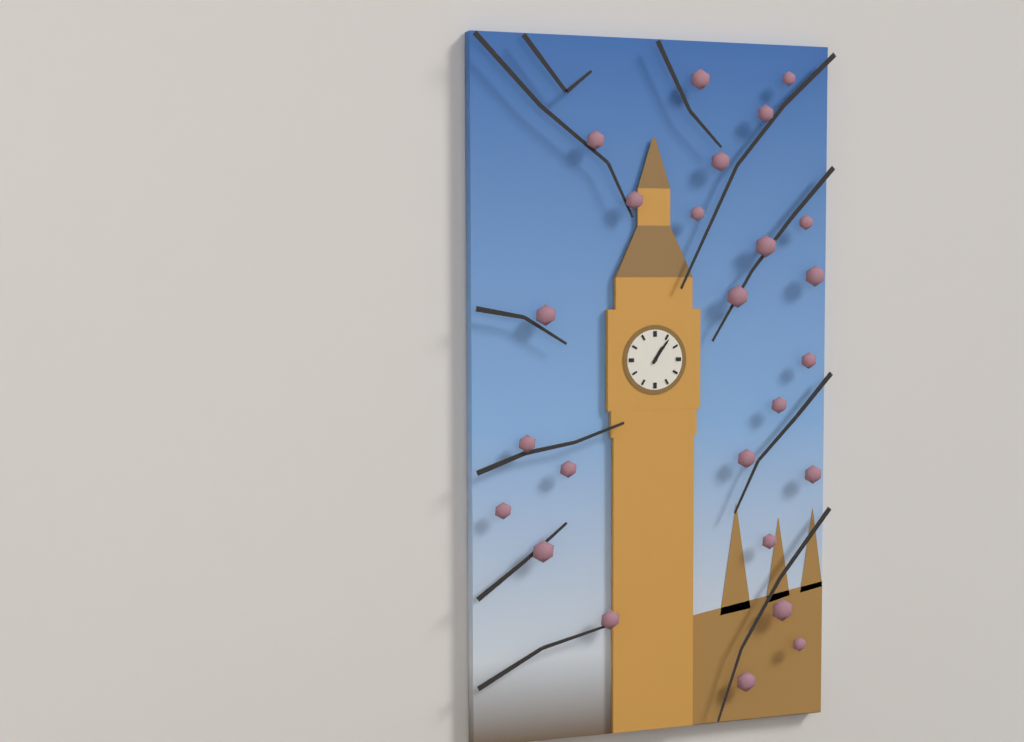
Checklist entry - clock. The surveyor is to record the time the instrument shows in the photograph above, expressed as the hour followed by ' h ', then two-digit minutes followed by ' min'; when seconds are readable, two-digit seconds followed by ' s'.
1 h 06 min
